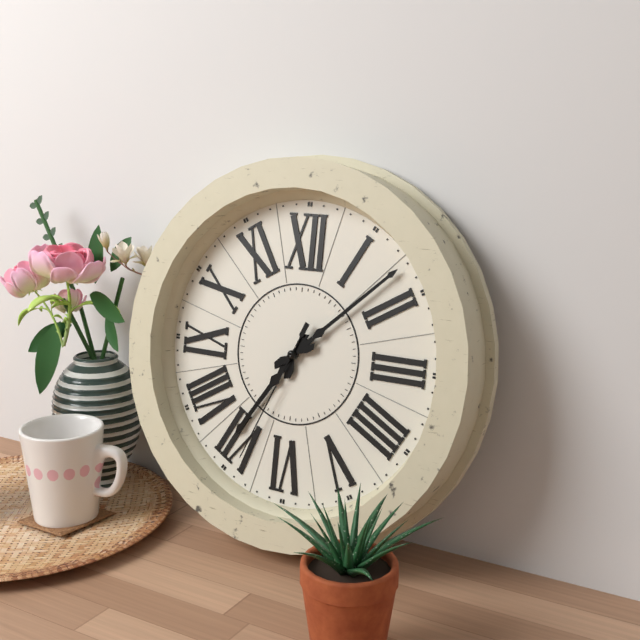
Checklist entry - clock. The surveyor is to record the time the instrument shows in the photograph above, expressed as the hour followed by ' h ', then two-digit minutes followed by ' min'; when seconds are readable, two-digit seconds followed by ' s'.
7 h 08 min 34 s
